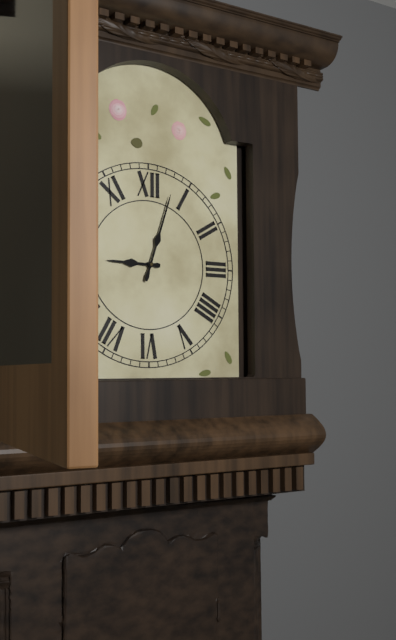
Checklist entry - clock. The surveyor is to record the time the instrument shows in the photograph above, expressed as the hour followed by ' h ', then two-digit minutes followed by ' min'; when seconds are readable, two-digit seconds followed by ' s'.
9 h 03 min
